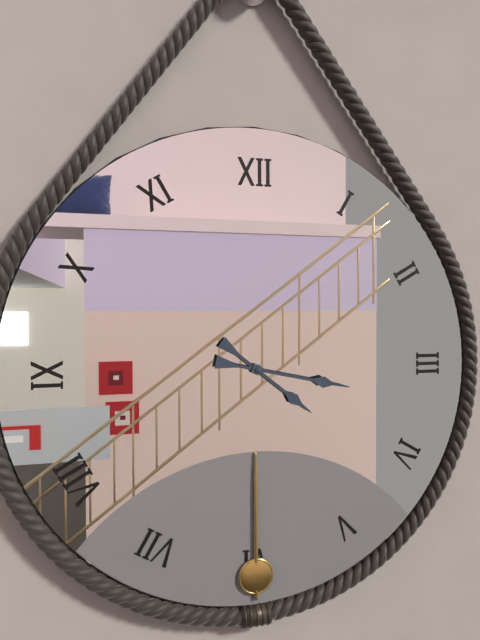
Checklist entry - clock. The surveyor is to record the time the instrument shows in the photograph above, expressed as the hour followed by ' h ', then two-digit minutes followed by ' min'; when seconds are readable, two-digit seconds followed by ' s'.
4 h 17 min
